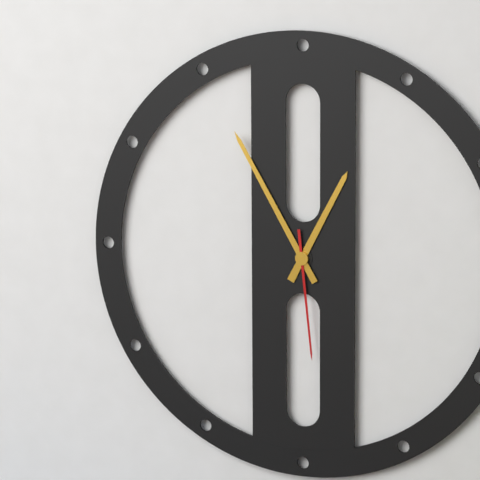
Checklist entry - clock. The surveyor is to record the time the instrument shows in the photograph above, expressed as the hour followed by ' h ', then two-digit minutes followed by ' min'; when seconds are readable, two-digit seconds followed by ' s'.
12 h 55 min 29 s
